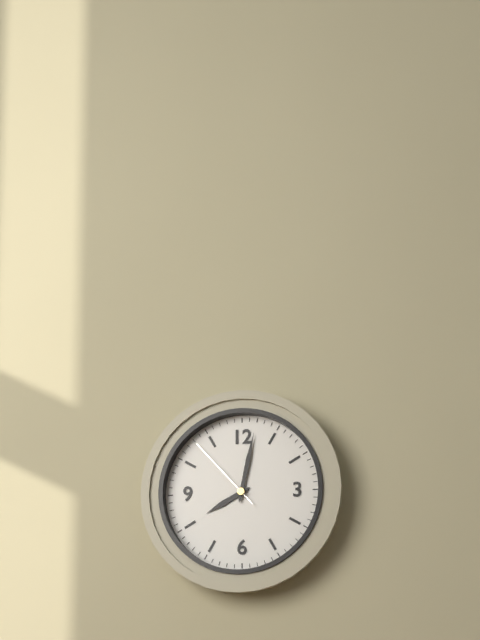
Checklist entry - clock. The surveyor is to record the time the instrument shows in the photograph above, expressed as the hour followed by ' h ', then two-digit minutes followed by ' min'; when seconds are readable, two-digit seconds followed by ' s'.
8 h 02 min 53 s
